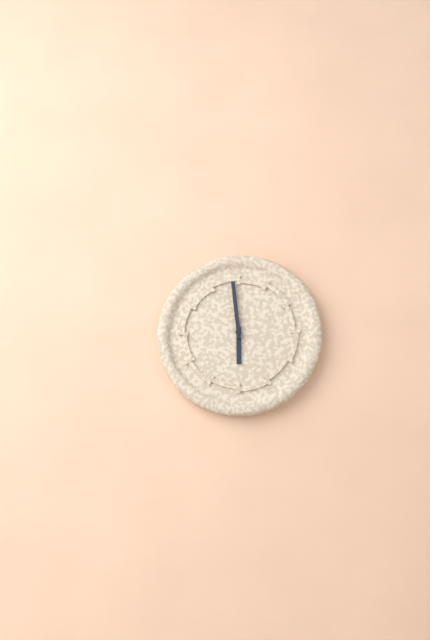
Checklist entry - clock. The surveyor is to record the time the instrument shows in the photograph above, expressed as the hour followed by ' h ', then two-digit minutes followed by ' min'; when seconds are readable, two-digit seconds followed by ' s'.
5 h 59 min
